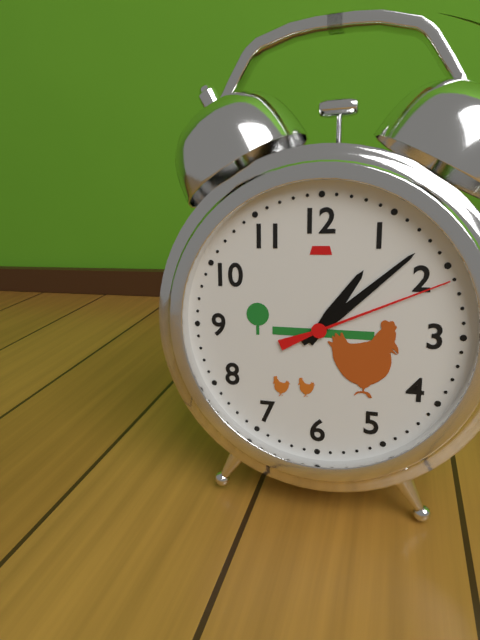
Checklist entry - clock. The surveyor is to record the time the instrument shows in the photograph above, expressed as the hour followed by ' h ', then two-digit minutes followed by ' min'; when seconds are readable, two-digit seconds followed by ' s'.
1 h 08 min 11 s
